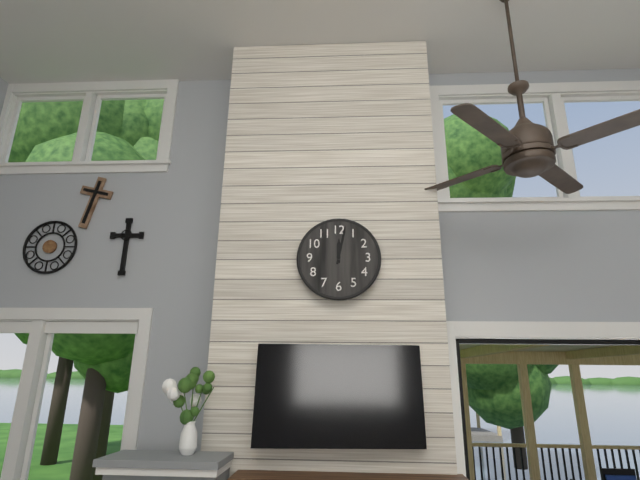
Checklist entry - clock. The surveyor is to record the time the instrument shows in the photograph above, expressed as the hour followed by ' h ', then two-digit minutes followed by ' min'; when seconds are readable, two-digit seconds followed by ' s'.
12 h 02 min
